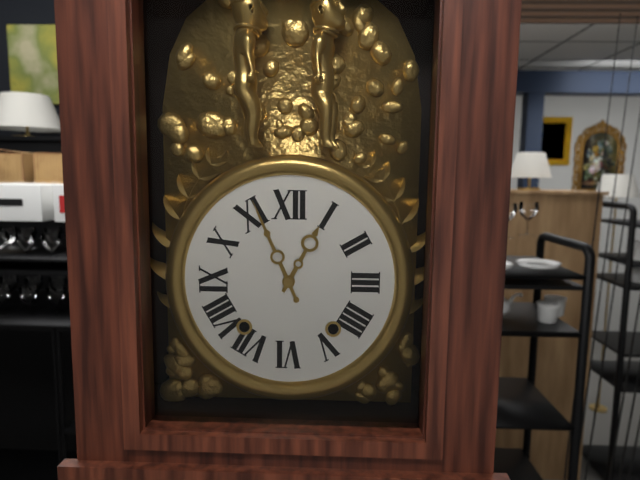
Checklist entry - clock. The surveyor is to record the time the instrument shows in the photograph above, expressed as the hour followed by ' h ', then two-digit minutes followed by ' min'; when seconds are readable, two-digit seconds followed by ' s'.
12 h 56 min
